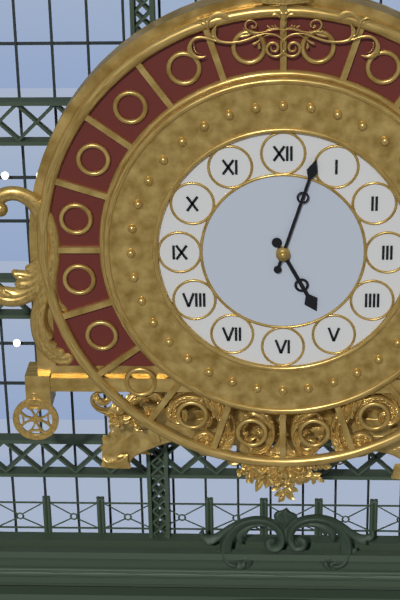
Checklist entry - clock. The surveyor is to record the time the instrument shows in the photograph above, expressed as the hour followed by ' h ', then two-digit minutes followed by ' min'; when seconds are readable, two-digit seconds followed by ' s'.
5 h 03 min
